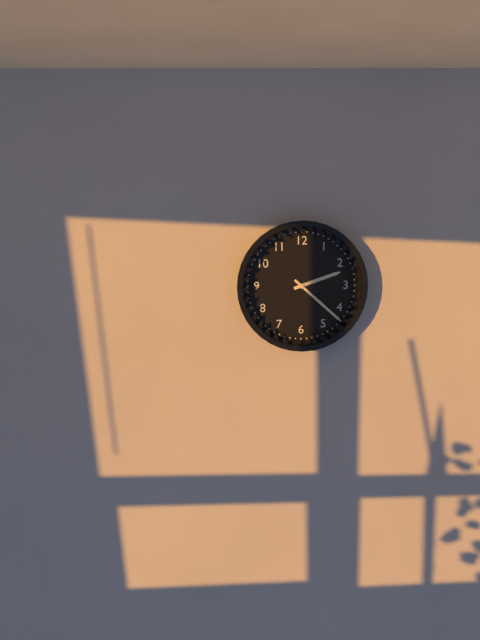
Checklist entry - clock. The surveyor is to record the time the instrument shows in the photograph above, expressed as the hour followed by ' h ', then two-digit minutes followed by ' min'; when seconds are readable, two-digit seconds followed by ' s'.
2 h 22 min
